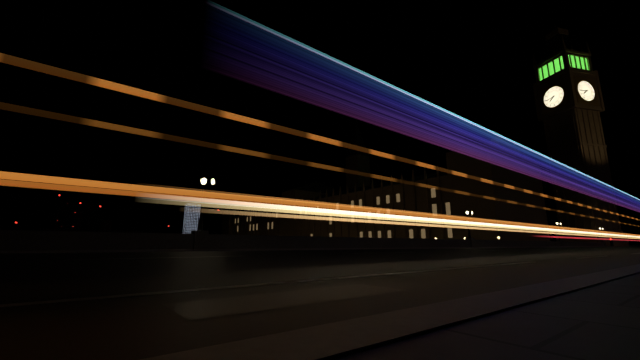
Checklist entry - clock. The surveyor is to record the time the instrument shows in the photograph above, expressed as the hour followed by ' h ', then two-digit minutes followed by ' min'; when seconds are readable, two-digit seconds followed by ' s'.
7 h 44 min
